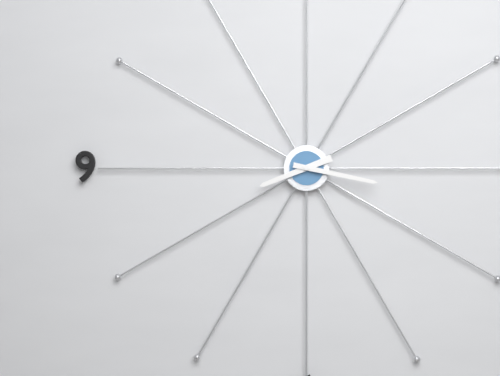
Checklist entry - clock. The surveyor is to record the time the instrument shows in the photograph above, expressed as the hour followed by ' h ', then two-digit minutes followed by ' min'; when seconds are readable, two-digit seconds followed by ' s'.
8 h 17 min
